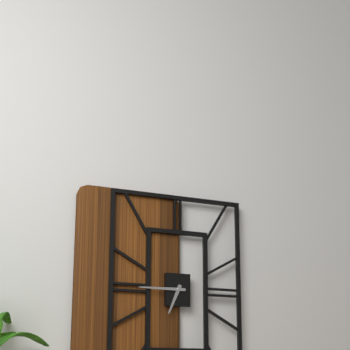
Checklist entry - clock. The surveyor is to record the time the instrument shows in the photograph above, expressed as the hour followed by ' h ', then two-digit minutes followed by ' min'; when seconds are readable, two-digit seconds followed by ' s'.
6 h 45 min
